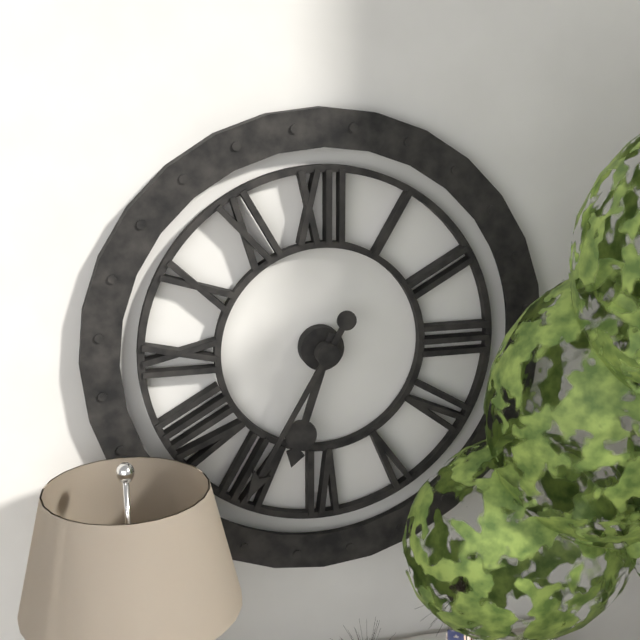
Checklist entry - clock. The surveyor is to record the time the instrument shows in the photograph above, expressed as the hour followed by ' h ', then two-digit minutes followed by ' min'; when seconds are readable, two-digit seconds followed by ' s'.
6 h 35 min
